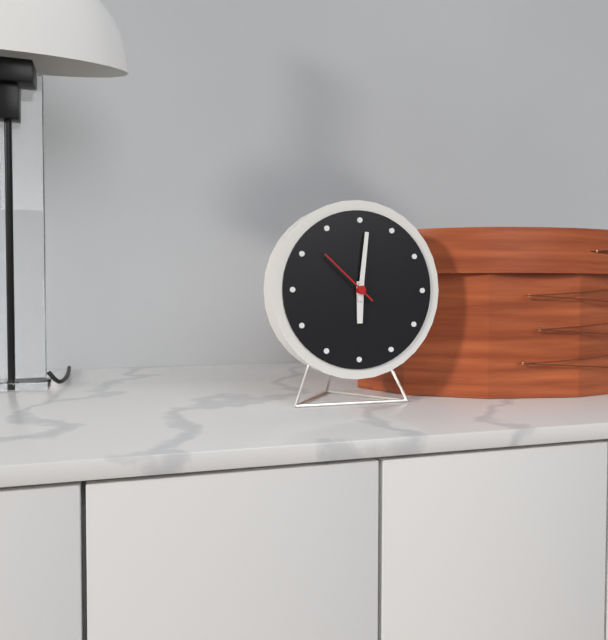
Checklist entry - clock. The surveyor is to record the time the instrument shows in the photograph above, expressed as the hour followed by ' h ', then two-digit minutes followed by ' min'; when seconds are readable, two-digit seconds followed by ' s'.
6 h 01 min 52 s
